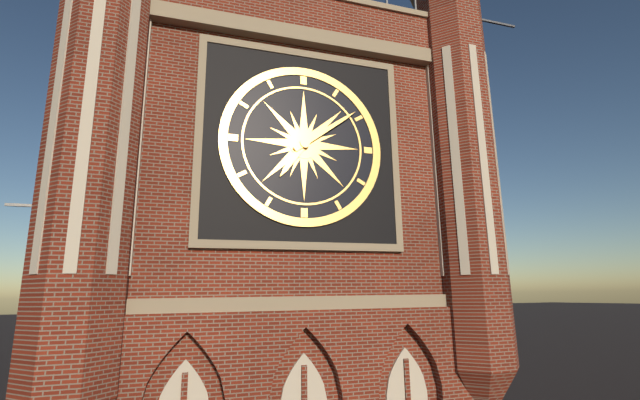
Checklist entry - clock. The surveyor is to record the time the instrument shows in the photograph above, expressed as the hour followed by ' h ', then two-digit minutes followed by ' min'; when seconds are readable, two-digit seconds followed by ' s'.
7 h 09 min
